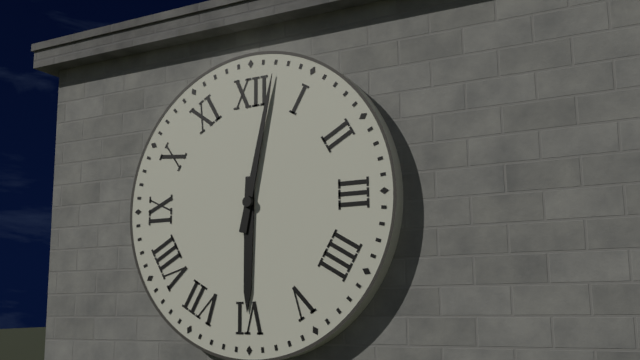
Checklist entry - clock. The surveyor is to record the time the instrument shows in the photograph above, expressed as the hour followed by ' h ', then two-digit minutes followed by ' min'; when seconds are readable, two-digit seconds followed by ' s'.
6 h 02 min
